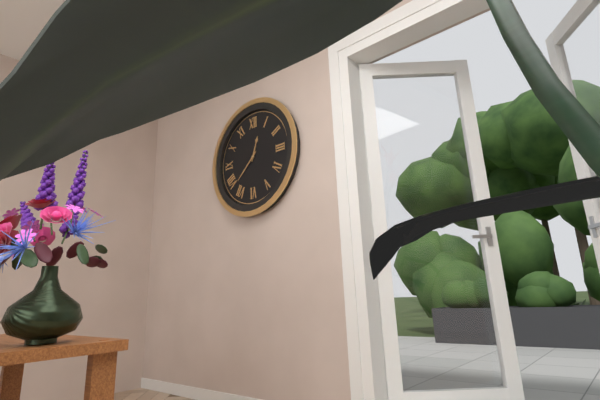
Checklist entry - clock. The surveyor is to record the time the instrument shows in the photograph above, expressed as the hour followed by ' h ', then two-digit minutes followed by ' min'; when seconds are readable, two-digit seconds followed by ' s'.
12 h 38 min
